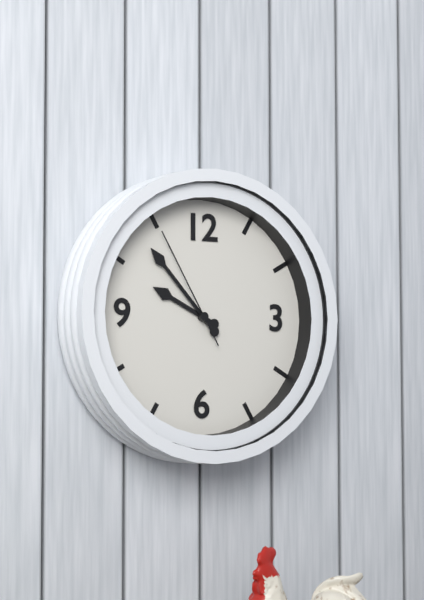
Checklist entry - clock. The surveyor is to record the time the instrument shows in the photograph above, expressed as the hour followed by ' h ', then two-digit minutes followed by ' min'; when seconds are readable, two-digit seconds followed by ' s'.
9 h 53 min 55 s
